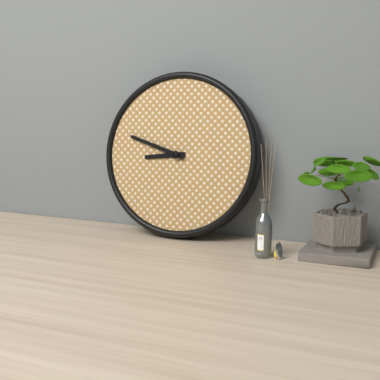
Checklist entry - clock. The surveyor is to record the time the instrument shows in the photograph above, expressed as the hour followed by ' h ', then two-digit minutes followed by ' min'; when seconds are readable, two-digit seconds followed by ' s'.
8 h 48 min
